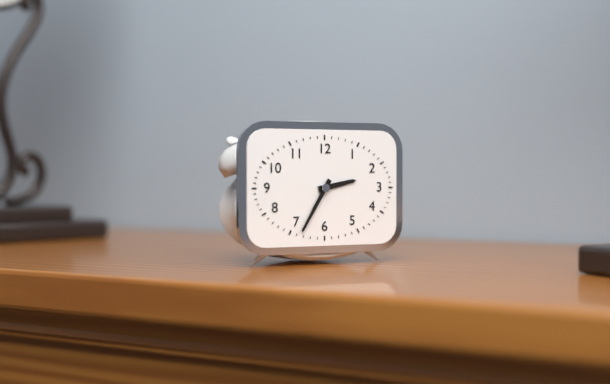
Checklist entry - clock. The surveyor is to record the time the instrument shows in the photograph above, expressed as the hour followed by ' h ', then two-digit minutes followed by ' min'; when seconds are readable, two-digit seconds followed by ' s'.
2 h 35 min
